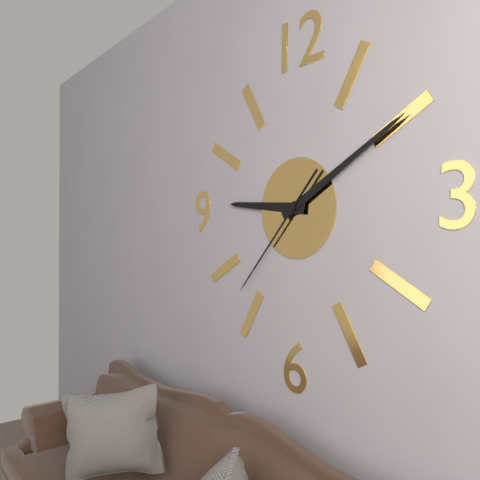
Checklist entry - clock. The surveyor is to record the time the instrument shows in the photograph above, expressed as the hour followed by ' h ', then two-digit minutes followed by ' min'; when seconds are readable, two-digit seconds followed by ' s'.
9 h 10 min 37 s
